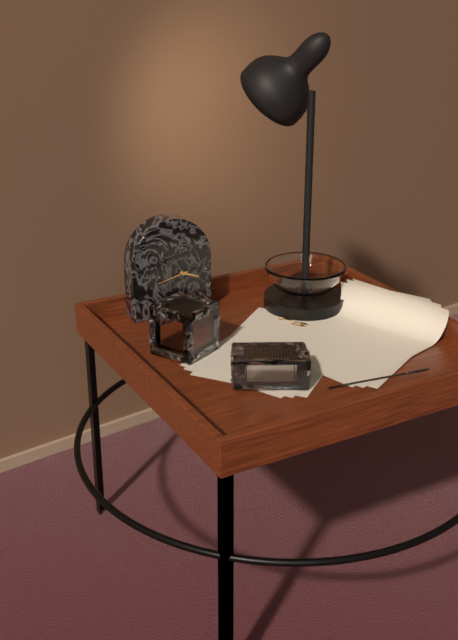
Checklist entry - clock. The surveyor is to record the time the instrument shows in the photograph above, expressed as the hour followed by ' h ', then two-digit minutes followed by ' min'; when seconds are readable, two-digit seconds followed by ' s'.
3 h 43 min
